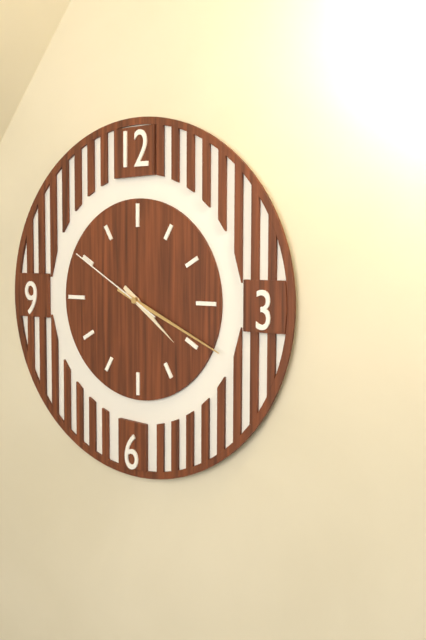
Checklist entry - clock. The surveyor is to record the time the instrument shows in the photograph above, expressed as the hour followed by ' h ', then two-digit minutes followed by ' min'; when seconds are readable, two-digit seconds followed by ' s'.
4 h 19 min 50 s
